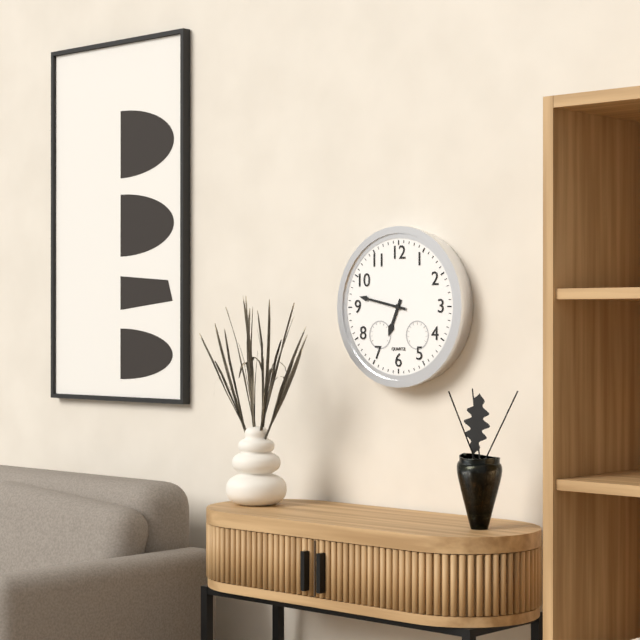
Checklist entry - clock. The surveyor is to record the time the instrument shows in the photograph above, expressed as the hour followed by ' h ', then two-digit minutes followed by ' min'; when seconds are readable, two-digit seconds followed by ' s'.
6 h 47 min
